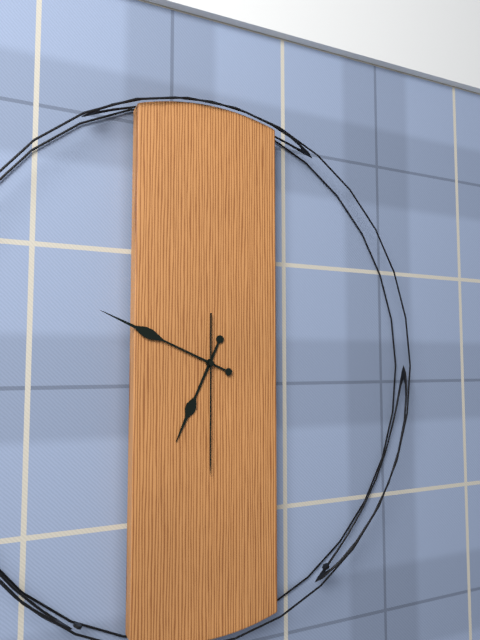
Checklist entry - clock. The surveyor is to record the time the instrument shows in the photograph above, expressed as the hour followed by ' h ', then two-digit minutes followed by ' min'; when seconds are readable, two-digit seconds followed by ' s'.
6 h 49 min 30 s
